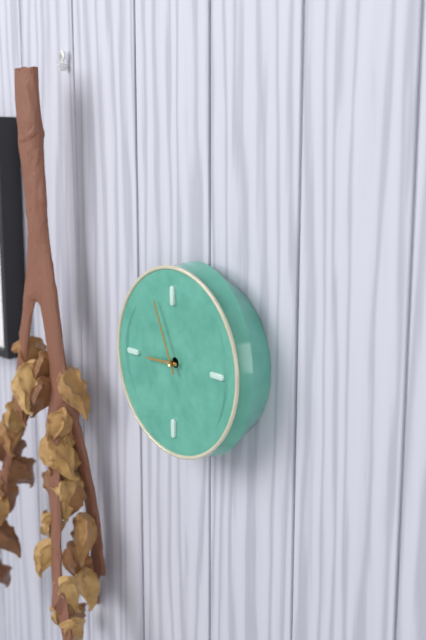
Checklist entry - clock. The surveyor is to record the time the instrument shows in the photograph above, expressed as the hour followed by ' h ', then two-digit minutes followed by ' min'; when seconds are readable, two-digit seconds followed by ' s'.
8 h 56 min
